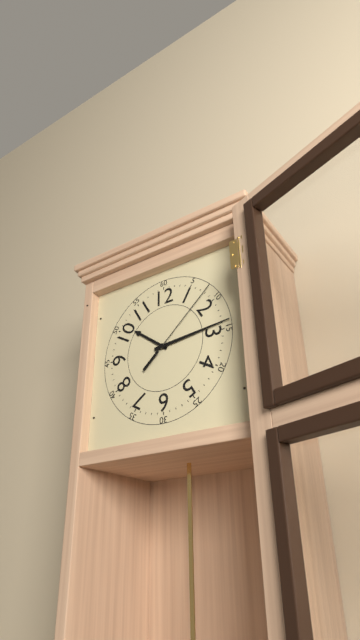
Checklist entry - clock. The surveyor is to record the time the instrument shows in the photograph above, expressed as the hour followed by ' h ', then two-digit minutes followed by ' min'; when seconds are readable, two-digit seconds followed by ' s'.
10 h 14 min 08 s
